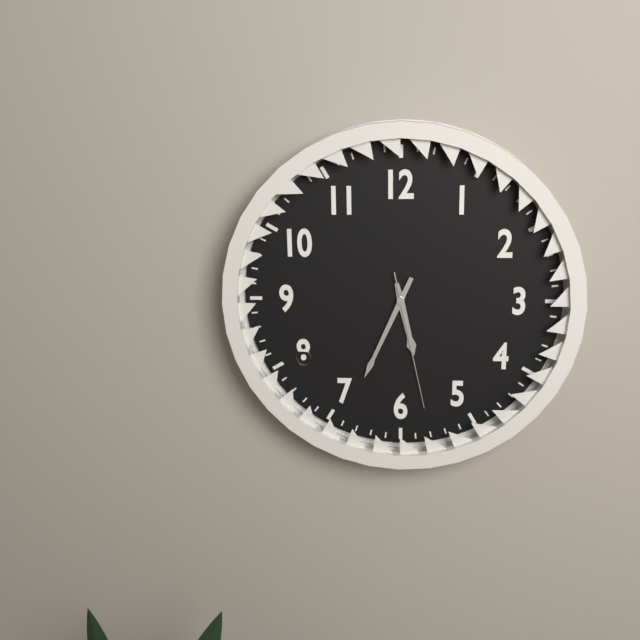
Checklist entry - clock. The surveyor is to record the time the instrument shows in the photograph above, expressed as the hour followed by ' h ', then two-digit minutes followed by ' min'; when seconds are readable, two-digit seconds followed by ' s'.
5 h 34 min 28 s
